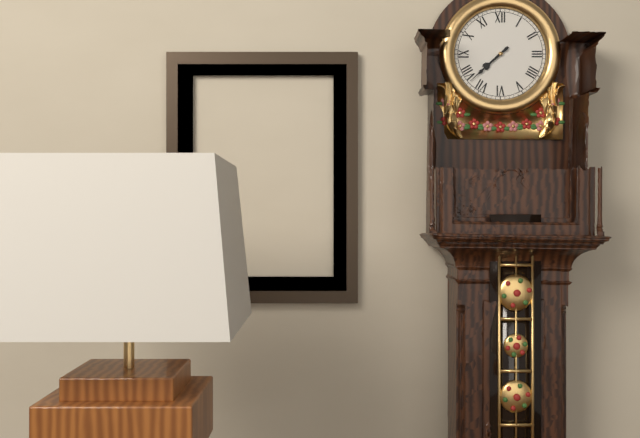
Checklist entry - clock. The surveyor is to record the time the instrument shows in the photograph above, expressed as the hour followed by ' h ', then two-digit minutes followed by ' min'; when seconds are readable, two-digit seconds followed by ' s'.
7 h 38 min
